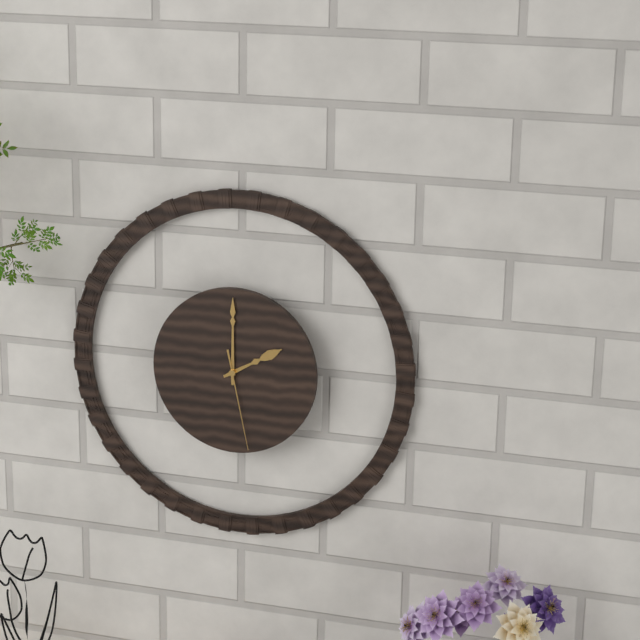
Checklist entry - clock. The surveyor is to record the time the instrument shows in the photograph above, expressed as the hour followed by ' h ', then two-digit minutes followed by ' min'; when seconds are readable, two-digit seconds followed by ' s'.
2 h 00 min 28 s
